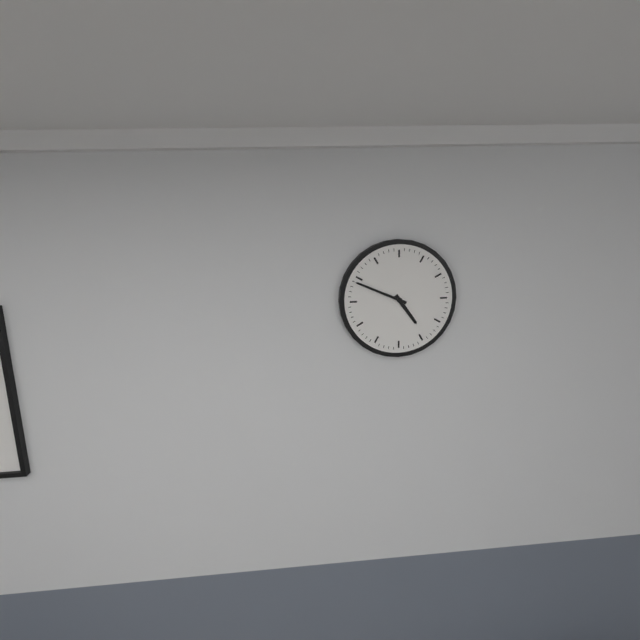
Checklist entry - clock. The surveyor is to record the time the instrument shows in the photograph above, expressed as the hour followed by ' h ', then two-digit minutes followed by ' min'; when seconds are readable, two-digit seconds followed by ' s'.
4 h 49 min
